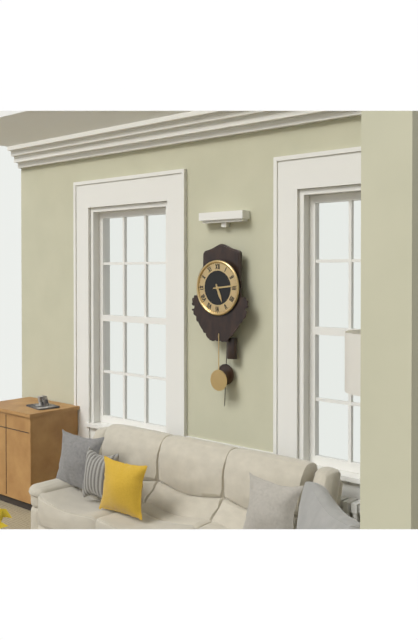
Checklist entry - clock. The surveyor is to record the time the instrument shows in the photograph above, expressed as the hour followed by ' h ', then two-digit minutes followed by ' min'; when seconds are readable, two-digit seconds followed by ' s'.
5 h 14 min
